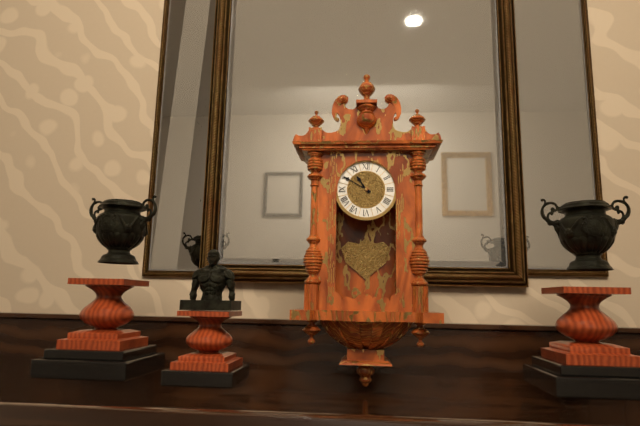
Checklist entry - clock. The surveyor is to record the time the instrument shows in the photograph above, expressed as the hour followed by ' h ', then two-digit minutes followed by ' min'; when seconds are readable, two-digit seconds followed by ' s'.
10 h 50 min
